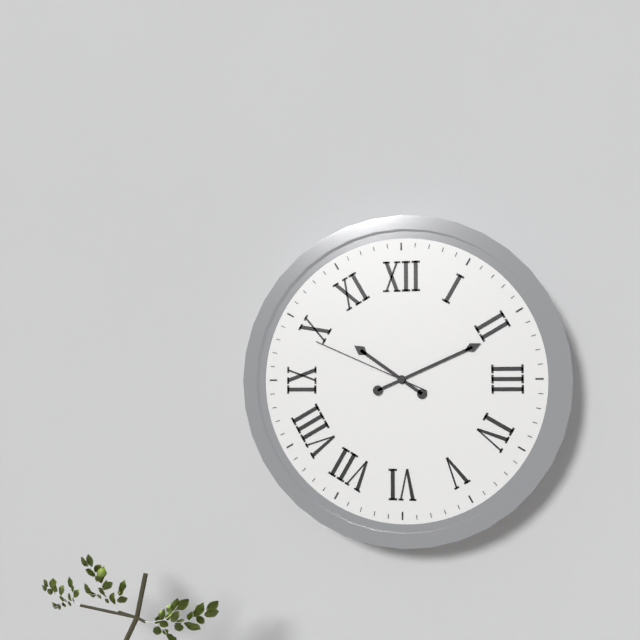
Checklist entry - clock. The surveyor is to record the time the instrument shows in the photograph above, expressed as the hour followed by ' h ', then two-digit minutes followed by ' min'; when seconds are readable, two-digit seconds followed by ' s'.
10 h 11 min 49 s
